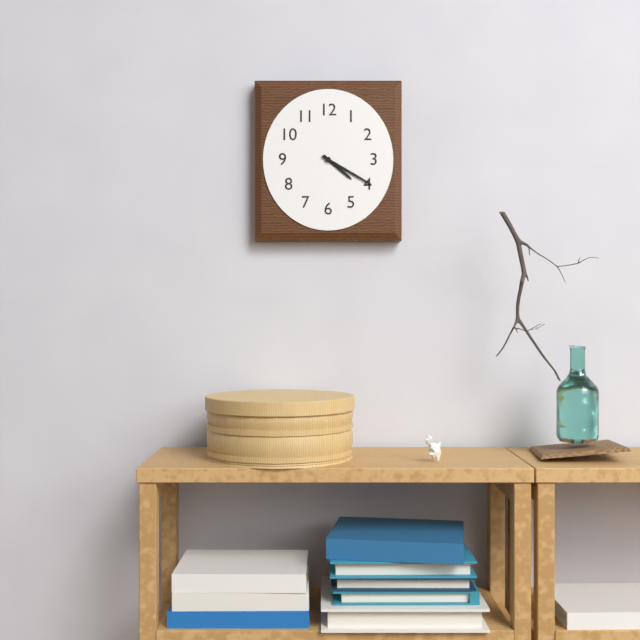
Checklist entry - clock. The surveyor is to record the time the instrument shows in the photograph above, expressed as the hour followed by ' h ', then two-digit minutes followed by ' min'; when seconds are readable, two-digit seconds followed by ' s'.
4 h 20 min
